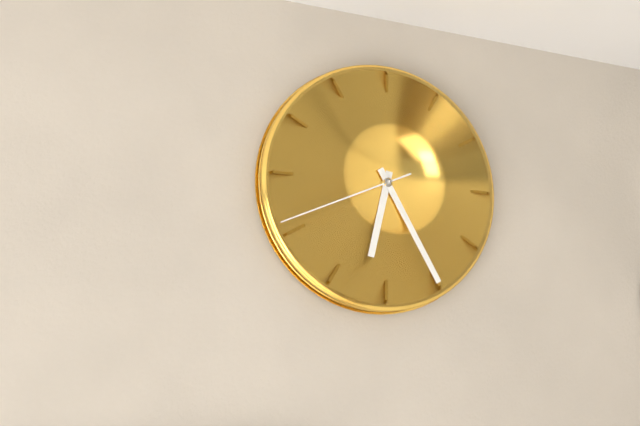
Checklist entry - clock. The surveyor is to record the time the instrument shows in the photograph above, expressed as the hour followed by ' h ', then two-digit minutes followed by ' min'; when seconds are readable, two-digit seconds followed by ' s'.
6 h 25 min 41 s
